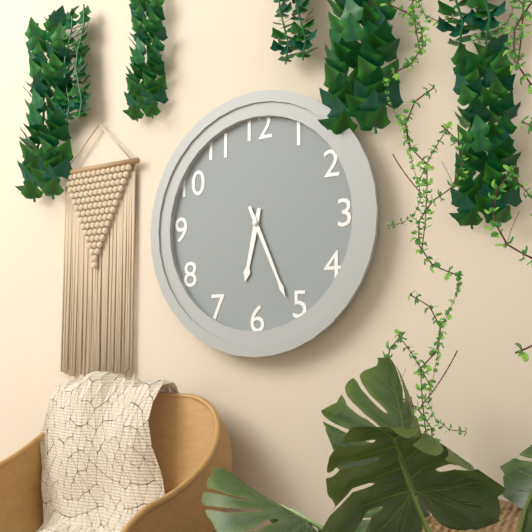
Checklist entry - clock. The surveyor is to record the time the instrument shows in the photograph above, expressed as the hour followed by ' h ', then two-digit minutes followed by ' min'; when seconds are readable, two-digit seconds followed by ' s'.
6 h 26 min
